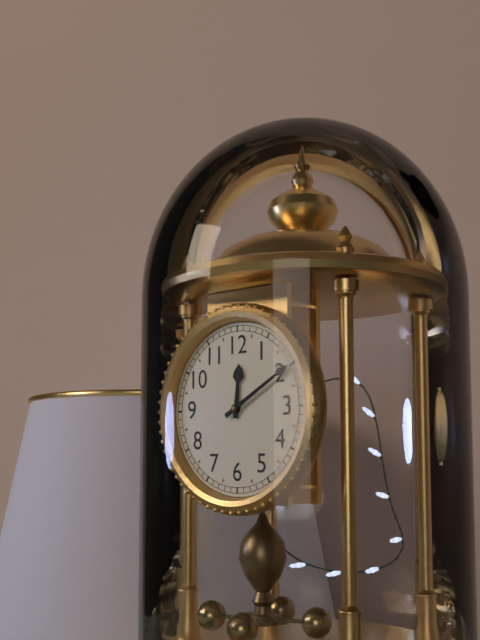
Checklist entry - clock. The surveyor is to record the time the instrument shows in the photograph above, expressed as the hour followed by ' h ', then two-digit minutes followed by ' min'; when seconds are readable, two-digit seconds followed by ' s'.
12 h 10 min
